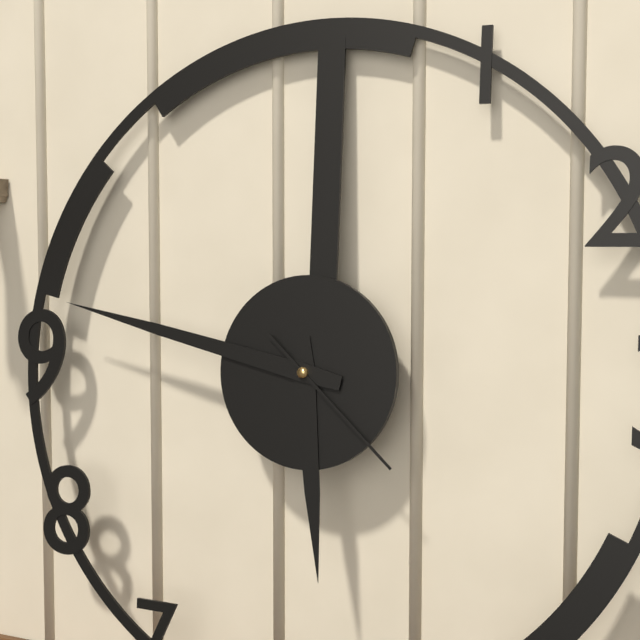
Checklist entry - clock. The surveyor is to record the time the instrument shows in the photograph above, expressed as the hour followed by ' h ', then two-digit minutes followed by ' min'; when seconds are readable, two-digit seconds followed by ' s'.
5 h 47 min 22 s
